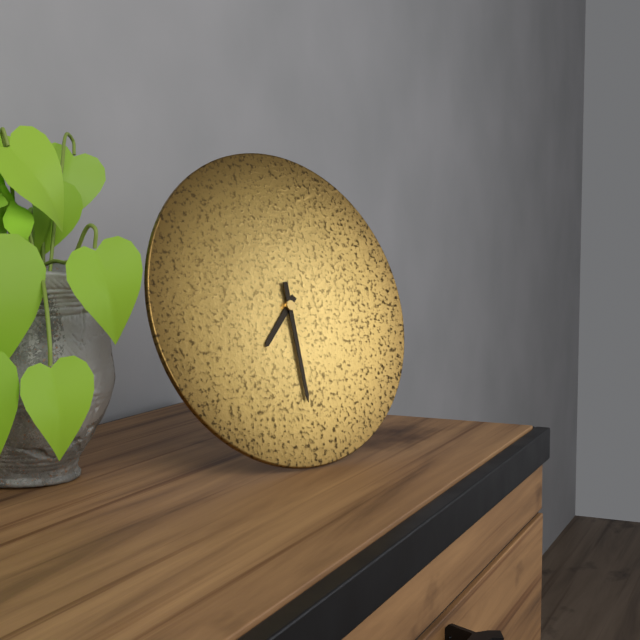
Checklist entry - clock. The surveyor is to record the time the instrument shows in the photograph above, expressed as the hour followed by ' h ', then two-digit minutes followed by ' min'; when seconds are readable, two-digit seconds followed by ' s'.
7 h 30 min
